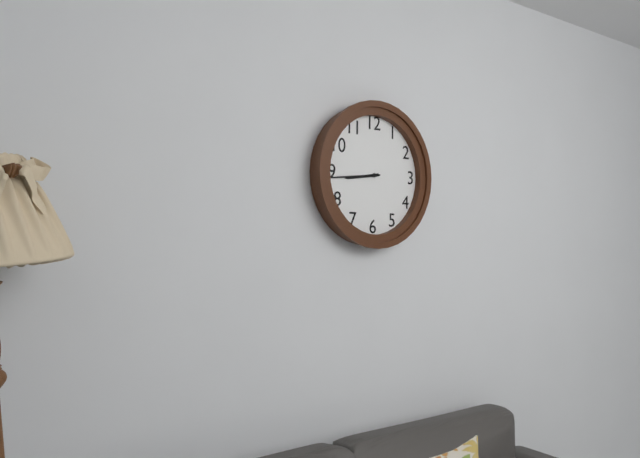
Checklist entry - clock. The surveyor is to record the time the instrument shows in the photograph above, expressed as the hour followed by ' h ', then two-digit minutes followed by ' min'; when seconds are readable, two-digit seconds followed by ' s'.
8 h 44 min
